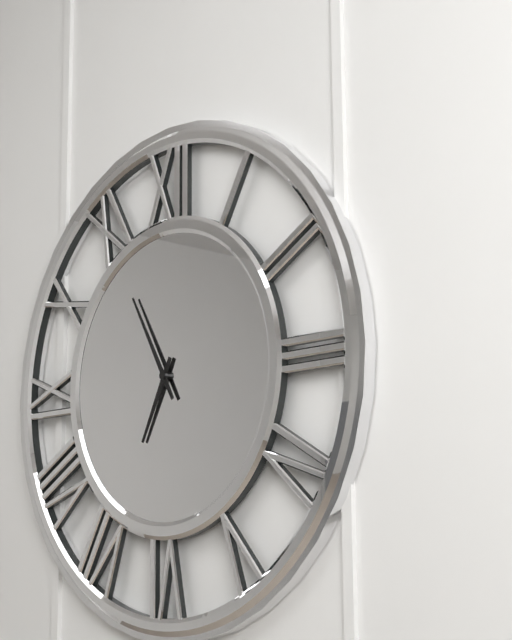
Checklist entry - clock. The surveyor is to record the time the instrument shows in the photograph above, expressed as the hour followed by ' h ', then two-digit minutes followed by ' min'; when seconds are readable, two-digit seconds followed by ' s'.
6 h 55 min
